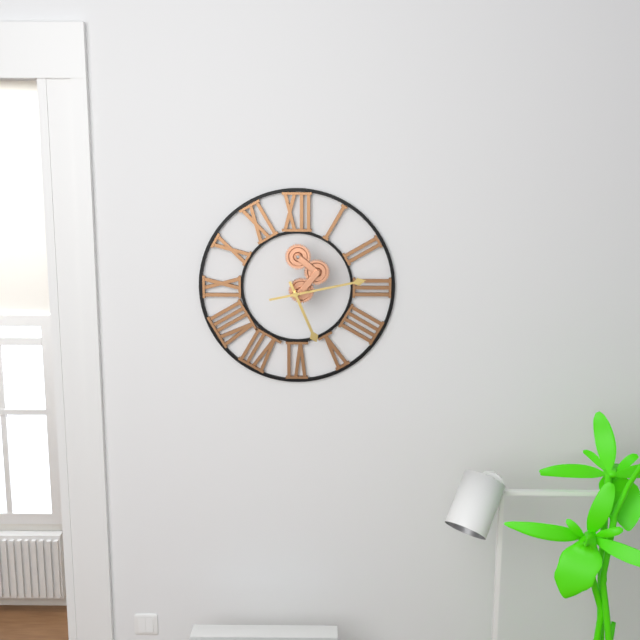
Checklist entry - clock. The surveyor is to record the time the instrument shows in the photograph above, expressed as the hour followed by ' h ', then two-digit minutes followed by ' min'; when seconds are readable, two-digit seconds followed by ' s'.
5 h 13 min
